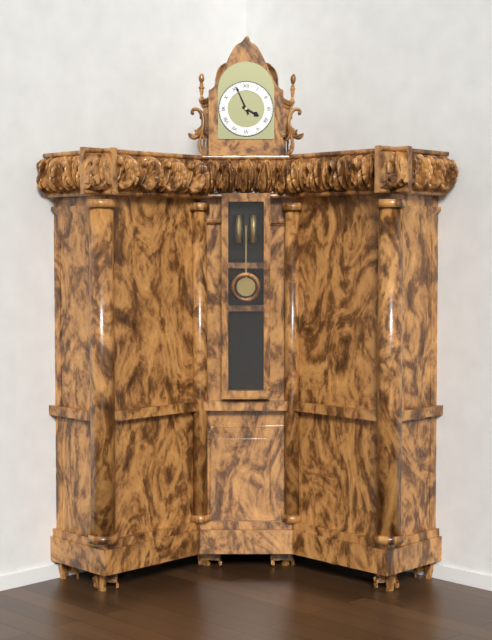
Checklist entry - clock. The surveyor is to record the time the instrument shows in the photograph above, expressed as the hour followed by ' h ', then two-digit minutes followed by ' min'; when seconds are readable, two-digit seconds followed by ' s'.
3 h 56 min
